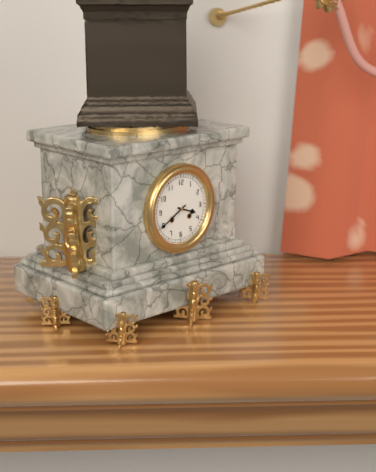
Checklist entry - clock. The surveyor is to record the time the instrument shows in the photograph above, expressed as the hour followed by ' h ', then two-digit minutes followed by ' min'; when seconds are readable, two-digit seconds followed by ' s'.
3 h 40 min
